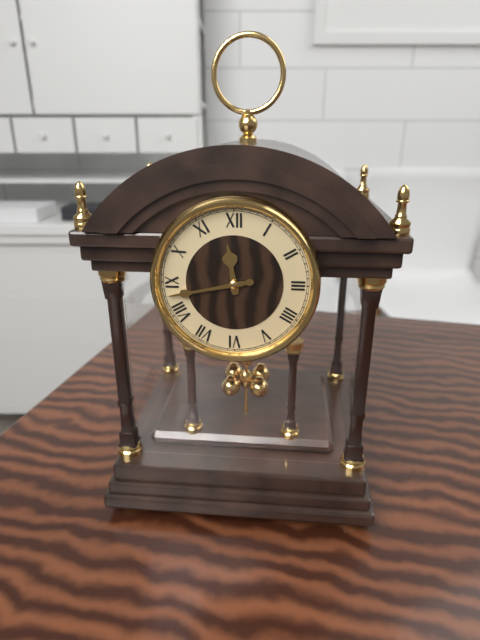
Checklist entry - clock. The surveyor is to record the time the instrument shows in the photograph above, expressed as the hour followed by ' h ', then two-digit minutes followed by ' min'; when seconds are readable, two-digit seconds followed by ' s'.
11 h 43 min
